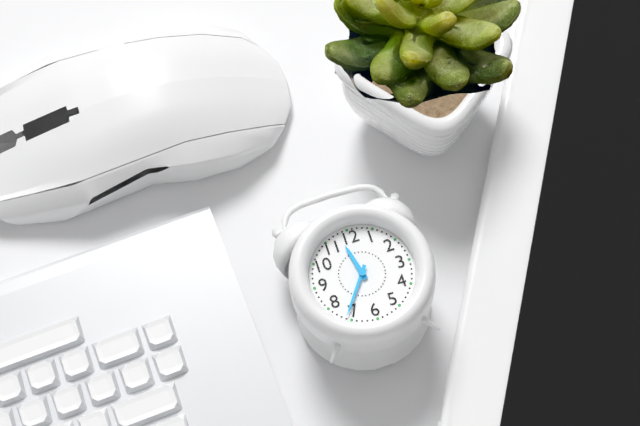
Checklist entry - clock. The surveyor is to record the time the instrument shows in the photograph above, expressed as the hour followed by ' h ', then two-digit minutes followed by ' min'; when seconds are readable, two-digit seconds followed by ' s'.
11 h 36 min
